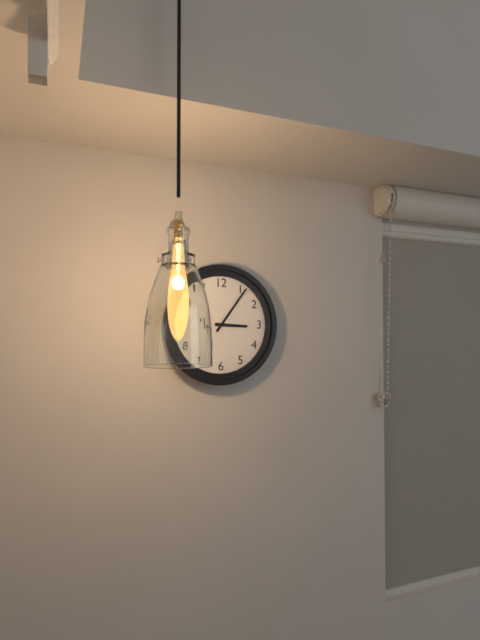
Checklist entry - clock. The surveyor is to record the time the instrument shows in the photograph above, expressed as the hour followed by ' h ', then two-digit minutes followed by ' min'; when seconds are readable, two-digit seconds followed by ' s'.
3 h 06 min
